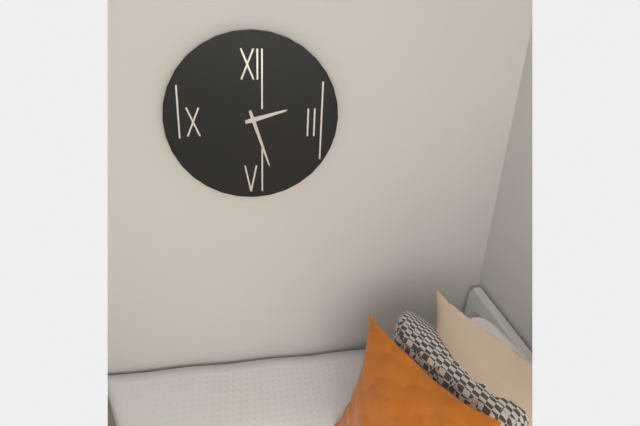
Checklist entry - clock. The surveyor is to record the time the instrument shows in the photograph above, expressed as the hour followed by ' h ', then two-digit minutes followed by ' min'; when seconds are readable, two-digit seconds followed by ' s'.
2 h 27 min
